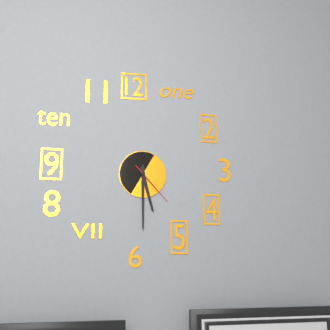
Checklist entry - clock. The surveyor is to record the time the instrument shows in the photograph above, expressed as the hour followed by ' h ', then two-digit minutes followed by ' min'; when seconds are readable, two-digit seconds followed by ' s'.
5 h 30 min
